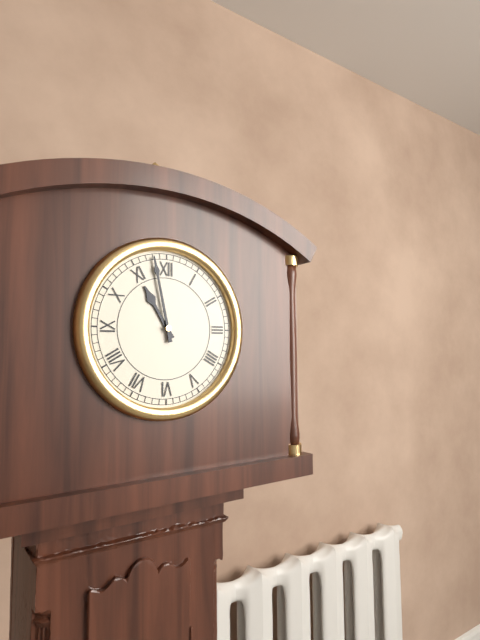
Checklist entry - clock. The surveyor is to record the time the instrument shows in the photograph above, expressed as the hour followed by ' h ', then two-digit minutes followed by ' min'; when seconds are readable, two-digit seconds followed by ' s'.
10 h 58 min
